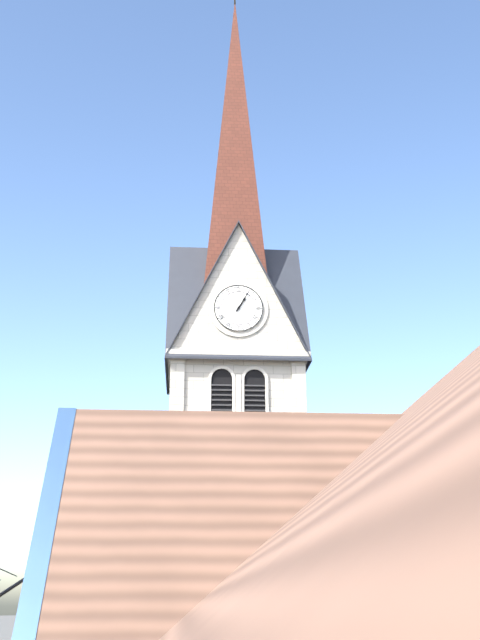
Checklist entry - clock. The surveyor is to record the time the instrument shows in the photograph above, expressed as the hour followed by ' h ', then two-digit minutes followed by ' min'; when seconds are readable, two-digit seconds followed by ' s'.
1 h 05 min
